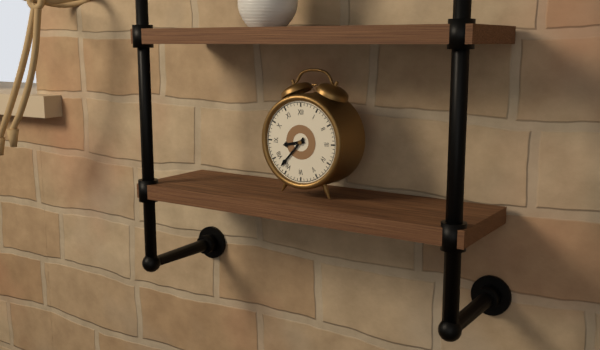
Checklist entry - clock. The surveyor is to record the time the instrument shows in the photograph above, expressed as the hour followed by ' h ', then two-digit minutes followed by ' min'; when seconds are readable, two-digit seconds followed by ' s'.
8 h 37 min
